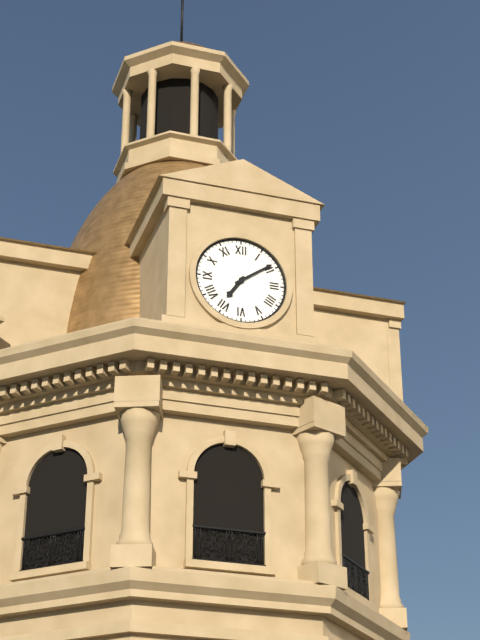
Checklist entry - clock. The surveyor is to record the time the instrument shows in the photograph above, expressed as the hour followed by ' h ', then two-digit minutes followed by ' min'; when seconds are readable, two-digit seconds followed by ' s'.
7 h 09 min
